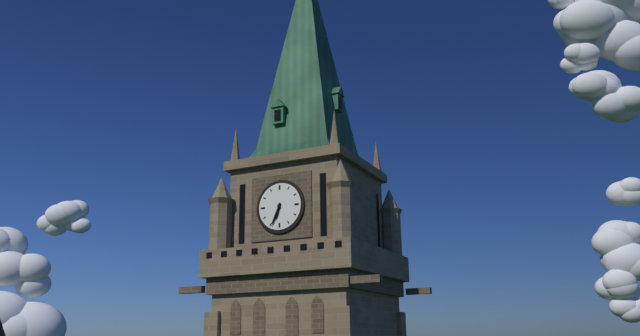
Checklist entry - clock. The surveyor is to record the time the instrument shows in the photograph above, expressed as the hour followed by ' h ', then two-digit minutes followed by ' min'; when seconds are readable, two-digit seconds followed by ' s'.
6 h 34 min
